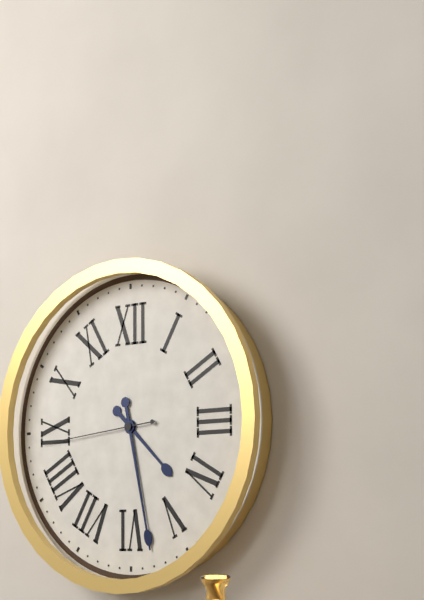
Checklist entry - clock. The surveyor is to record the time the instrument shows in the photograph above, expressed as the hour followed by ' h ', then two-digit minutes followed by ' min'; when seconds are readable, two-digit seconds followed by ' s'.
4 h 28 min 44 s
